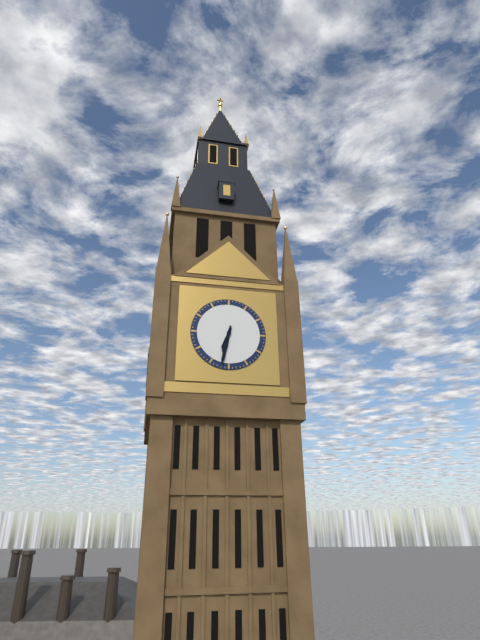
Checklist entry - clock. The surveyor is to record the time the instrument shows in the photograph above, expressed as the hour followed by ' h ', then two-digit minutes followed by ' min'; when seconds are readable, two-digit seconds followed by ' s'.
6 h 32 min
